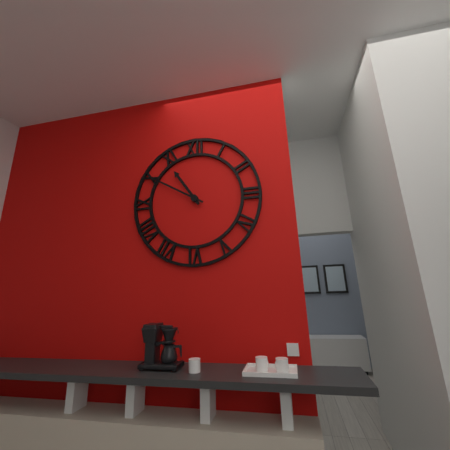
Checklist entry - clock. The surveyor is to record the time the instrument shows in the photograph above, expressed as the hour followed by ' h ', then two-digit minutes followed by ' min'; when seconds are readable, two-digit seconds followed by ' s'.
10 h 50 min
